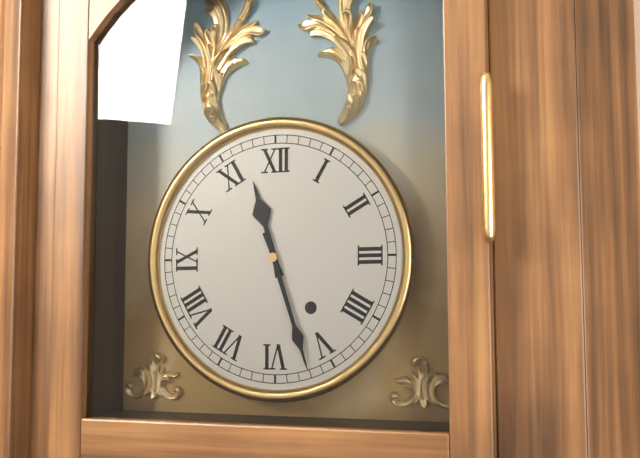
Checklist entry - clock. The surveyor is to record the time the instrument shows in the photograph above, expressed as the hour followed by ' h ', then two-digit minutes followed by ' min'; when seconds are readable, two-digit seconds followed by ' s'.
11 h 27 min
